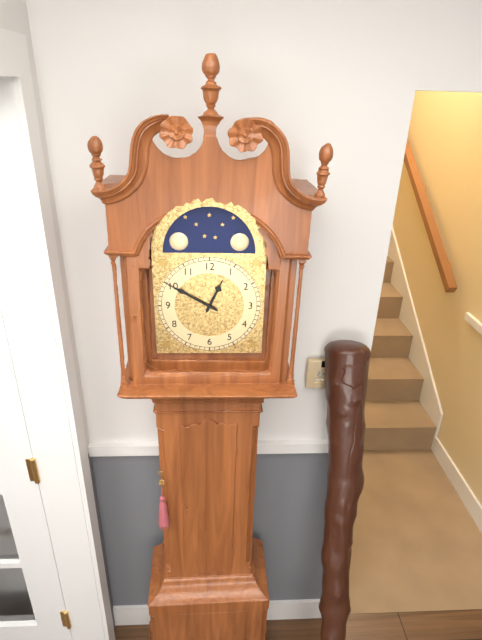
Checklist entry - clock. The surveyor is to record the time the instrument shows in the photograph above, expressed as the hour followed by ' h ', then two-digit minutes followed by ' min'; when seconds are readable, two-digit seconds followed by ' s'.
12 h 50 min
